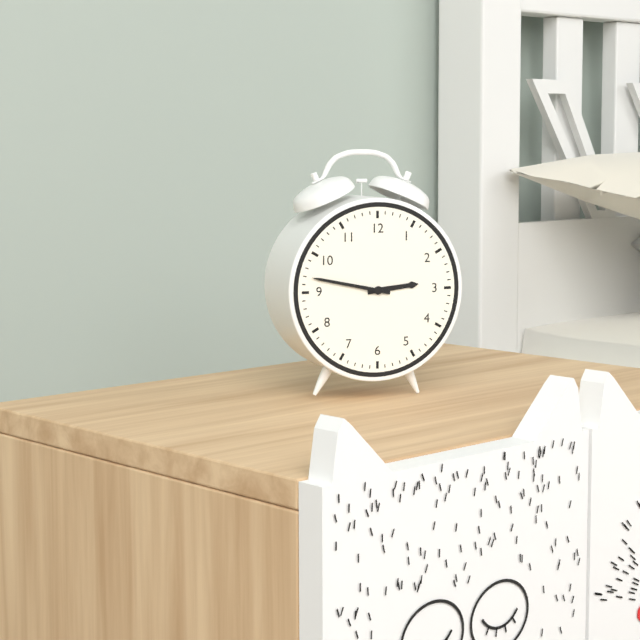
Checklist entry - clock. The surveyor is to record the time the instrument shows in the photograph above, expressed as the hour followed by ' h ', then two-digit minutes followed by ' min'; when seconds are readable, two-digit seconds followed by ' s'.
2 h 47 min
